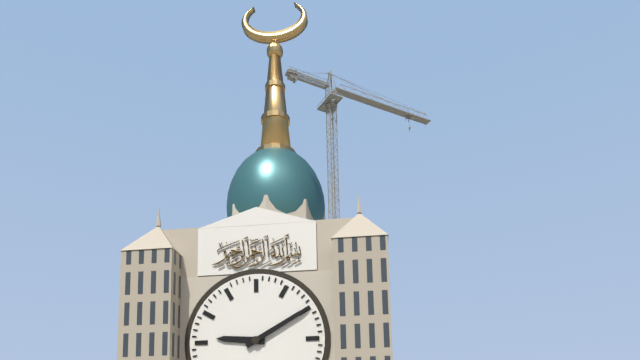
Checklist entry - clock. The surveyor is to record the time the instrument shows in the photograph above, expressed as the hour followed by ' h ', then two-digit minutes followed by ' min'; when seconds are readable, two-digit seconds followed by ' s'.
9 h 10 min
